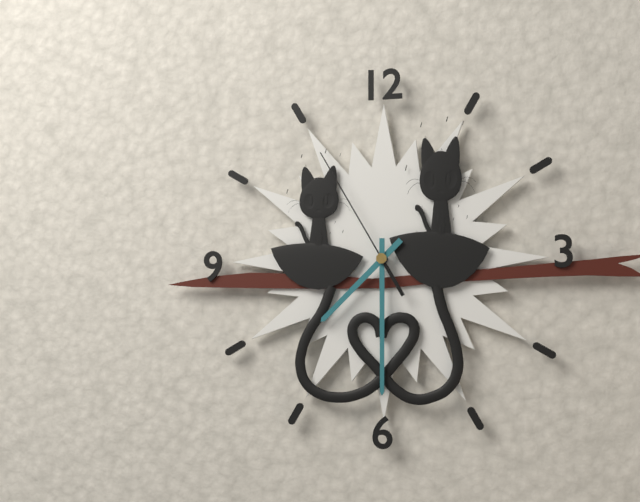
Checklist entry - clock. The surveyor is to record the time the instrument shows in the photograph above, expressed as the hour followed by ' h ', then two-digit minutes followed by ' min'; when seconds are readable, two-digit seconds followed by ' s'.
7 h 30 min 55 s
